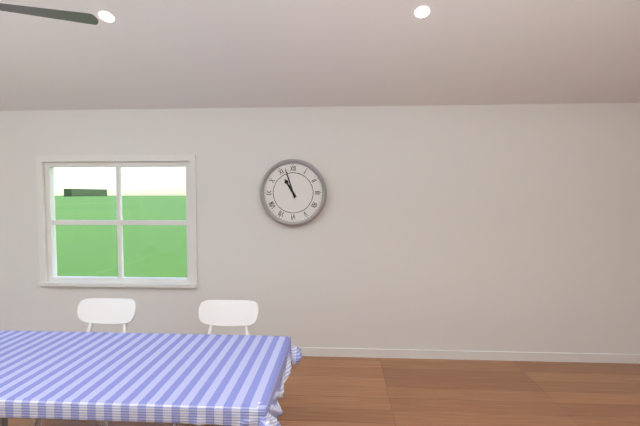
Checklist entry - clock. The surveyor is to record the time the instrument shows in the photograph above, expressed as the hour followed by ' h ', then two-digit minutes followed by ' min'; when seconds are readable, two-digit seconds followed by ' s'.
10 h 57 min
